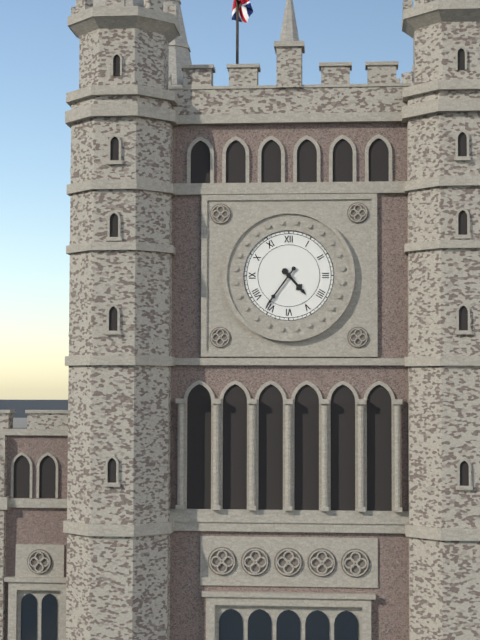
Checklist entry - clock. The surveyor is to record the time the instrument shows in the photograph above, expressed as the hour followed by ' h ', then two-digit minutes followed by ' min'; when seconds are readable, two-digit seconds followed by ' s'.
4 h 36 min
